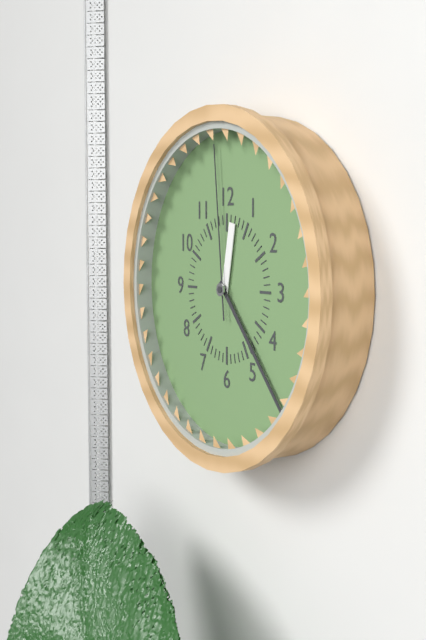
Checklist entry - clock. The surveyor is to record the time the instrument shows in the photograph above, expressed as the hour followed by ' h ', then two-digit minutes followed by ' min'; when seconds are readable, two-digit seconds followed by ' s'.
12 h 23 min 59 s
